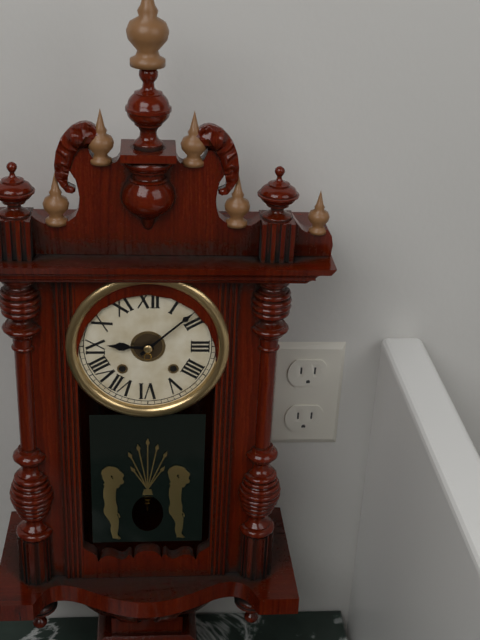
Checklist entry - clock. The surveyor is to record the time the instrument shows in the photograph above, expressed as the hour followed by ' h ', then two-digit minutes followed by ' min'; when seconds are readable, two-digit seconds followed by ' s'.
9 h 08 min
